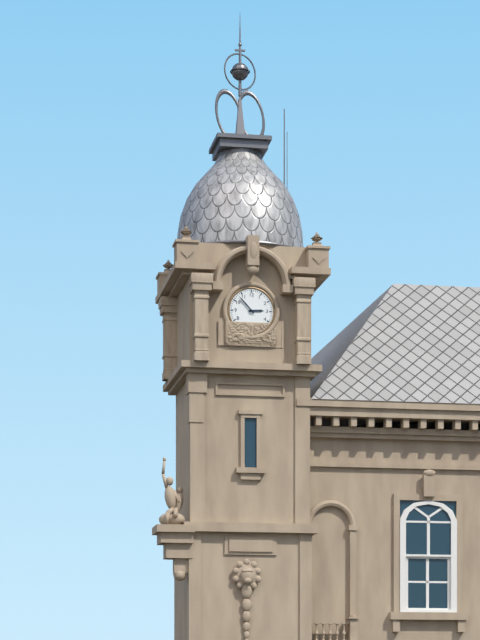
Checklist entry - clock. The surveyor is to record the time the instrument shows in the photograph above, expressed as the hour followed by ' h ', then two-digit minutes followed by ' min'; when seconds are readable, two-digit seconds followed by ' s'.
2 h 53 min
